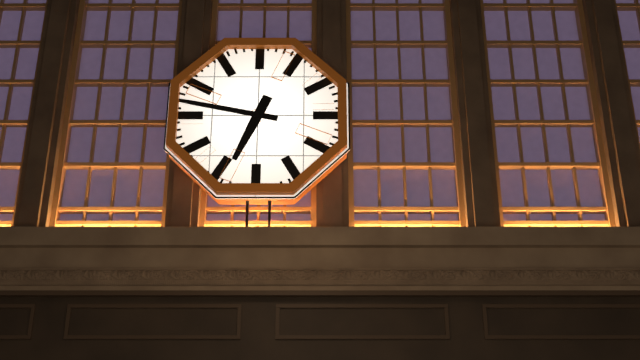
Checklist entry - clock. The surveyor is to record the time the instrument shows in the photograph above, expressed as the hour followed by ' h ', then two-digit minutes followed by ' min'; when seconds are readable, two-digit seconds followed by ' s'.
6 h 47 min
